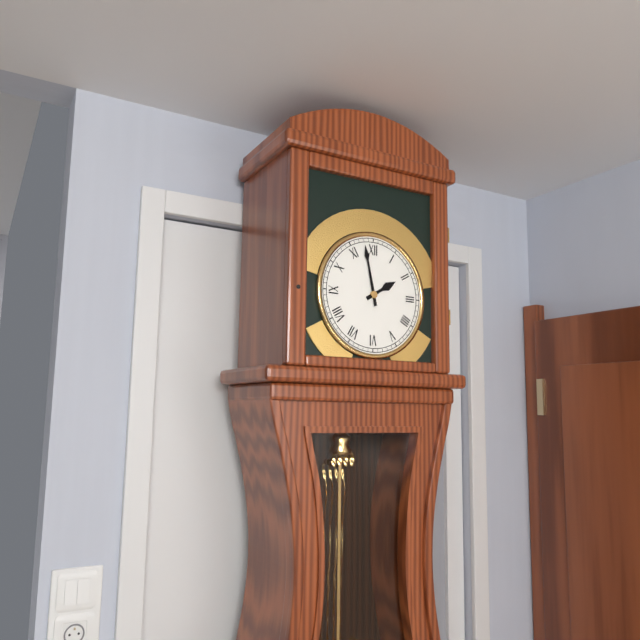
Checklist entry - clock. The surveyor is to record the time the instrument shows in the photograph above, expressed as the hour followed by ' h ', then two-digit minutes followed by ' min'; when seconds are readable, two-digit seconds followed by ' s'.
1 h 58 min
